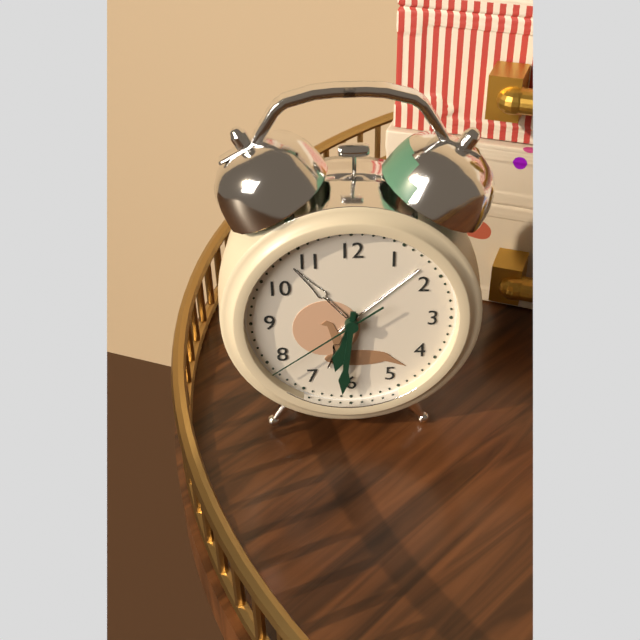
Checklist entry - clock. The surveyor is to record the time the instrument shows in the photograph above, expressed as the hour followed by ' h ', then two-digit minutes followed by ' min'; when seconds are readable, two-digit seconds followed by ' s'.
6 h 31 min 39 s
